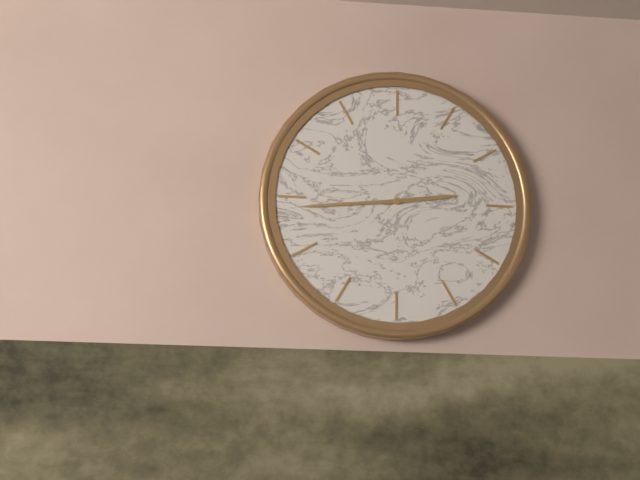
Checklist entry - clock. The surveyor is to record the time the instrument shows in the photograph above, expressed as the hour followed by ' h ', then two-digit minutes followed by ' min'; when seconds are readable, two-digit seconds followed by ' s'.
2 h 44 min
